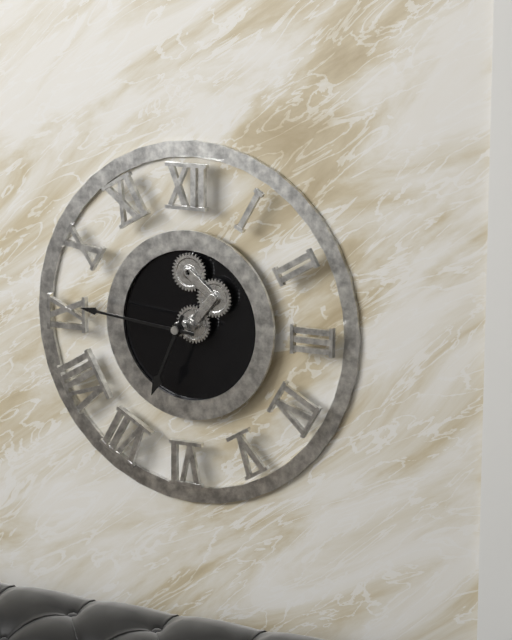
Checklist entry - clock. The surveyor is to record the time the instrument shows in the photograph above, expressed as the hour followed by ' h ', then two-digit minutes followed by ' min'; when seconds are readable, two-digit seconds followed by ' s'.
6 h 46 min
